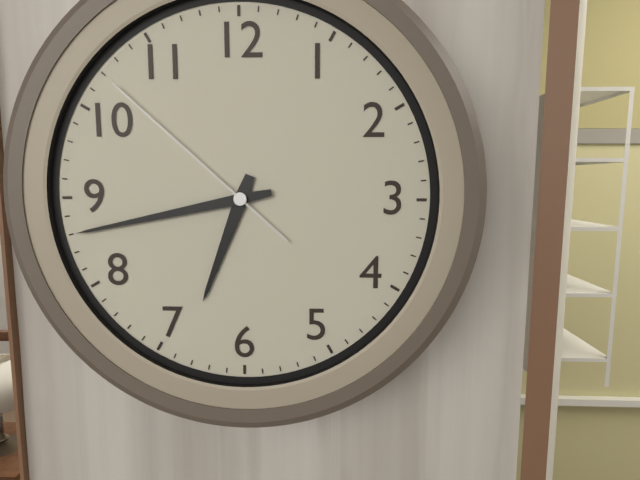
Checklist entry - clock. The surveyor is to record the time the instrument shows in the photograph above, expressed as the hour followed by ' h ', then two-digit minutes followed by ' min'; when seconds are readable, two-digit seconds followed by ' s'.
6 h 43 min 52 s
